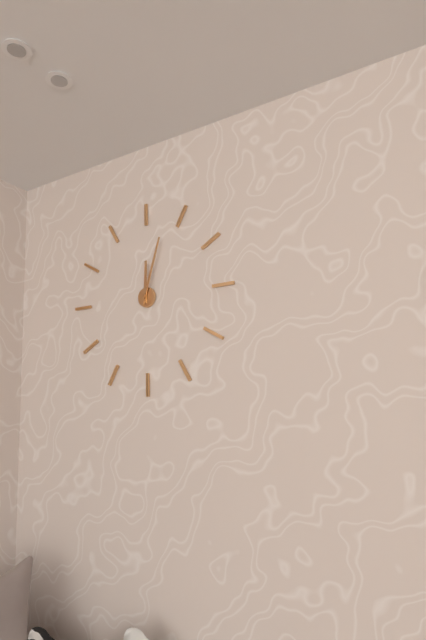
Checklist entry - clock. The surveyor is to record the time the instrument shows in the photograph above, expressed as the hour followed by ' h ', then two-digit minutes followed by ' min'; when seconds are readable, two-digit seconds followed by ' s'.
12 h 03 min
